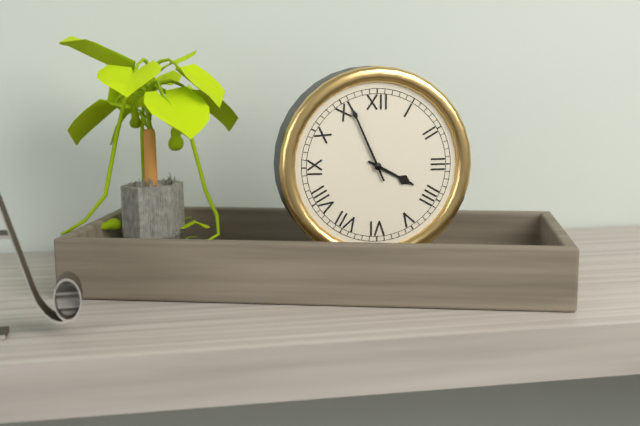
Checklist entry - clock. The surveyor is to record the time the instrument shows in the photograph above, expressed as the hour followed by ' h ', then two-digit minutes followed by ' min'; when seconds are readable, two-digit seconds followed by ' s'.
3 h 56 min
